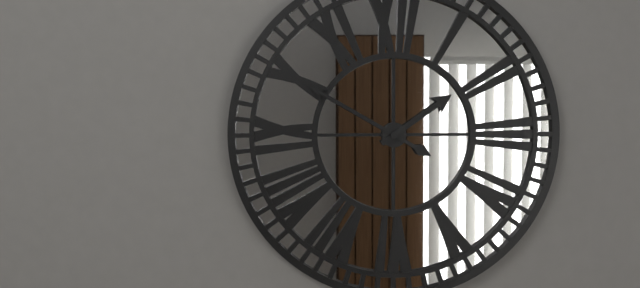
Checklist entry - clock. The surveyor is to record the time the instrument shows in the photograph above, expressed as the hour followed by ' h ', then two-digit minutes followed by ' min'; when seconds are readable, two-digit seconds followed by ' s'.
1 h 50 min
